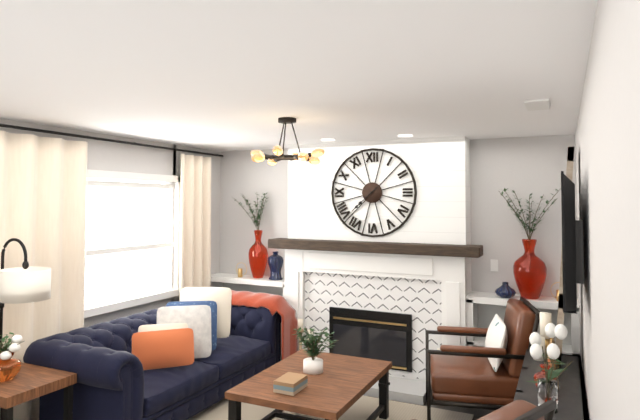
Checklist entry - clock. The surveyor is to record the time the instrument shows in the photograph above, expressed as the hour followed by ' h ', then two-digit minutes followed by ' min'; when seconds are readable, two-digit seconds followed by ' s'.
7 h 38 min
